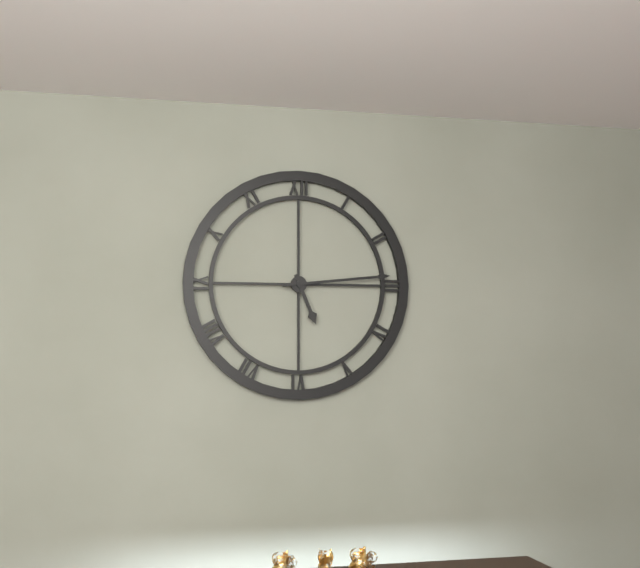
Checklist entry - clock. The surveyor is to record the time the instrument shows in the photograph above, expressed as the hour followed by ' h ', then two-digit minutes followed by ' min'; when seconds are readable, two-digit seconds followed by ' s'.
5 h 14 min
